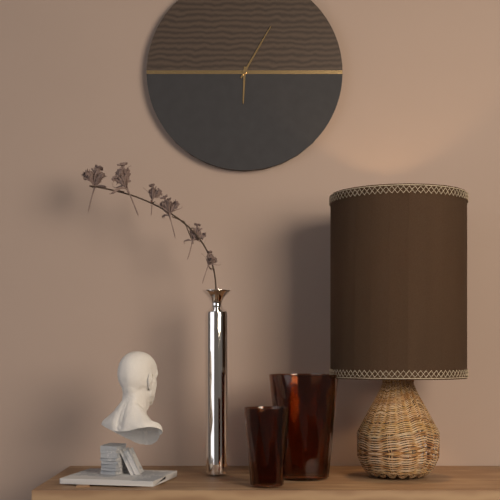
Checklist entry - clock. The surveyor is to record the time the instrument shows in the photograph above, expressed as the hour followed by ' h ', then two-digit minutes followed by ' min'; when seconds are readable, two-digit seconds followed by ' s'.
6 h 05 min
